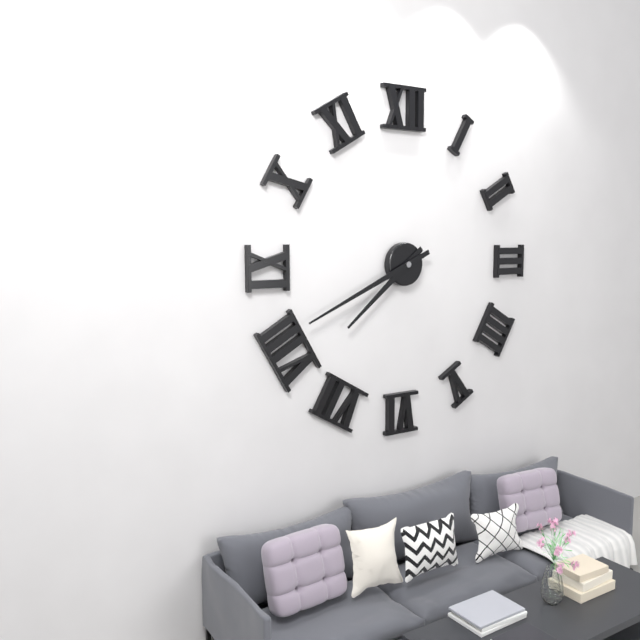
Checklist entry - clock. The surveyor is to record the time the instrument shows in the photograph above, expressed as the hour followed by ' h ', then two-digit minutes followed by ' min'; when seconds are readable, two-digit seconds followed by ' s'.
7 h 41 min
